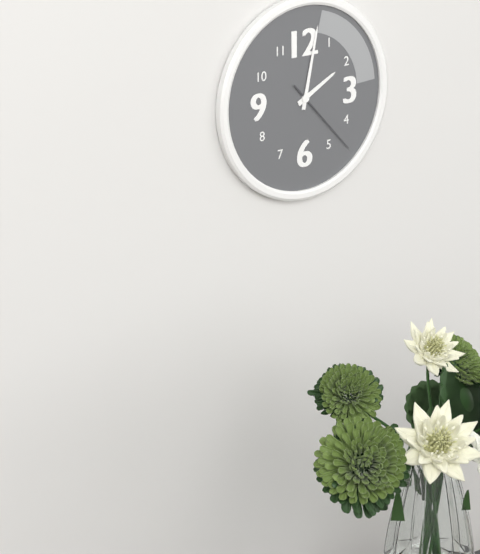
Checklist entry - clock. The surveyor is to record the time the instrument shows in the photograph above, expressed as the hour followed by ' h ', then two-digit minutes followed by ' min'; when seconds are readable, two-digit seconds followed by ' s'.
2 h 02 min 23 s
